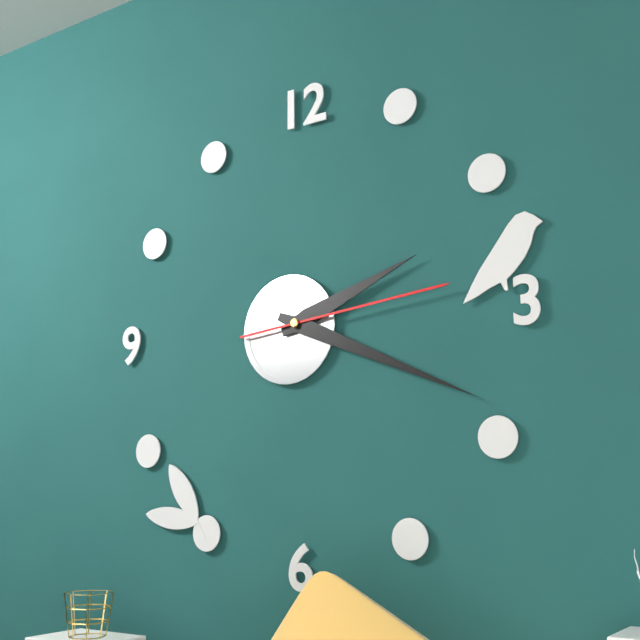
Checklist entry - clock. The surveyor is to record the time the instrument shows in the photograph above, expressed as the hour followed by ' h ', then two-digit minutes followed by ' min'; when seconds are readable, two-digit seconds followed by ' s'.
2 h 19 min 14 s
